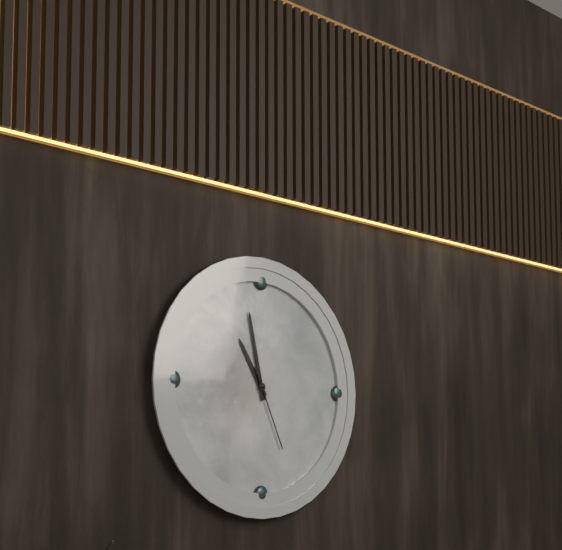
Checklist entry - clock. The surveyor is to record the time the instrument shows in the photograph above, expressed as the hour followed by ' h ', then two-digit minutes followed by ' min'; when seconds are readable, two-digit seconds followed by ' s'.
10 h 58 min 26 s
